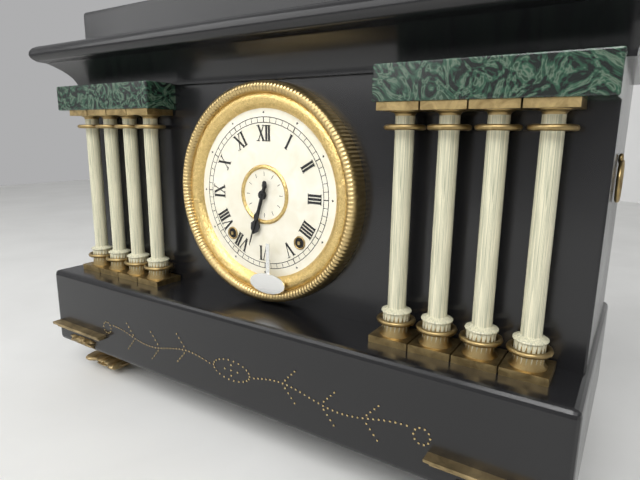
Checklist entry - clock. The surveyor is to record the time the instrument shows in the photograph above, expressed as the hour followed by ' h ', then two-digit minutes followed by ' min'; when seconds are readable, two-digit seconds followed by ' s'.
6 h 33 min
